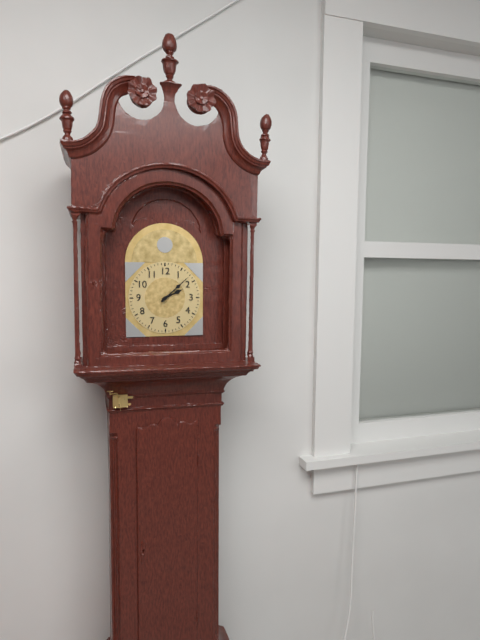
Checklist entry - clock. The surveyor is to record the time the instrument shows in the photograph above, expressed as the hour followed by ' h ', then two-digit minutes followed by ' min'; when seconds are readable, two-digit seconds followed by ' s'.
2 h 08 min
